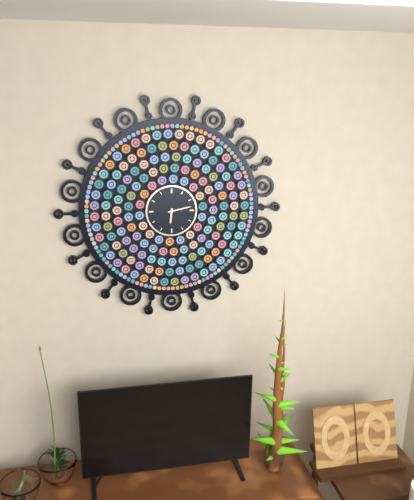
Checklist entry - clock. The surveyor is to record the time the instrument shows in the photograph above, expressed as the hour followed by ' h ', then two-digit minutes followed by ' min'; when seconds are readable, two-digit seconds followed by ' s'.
6 h 13 min
